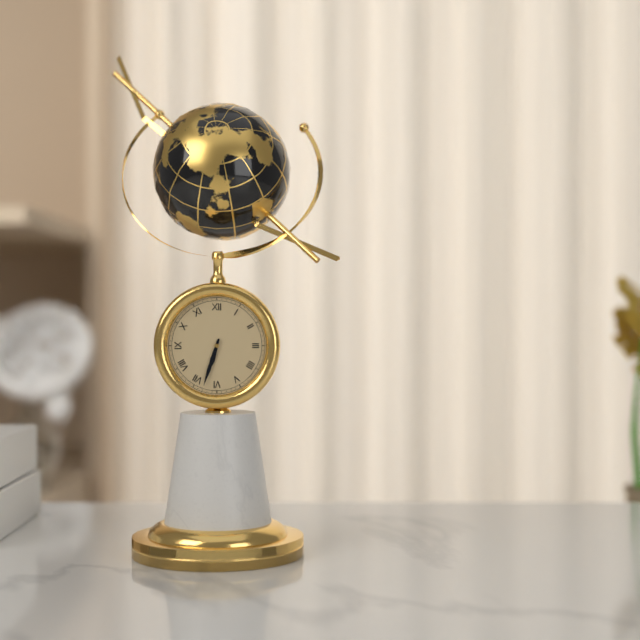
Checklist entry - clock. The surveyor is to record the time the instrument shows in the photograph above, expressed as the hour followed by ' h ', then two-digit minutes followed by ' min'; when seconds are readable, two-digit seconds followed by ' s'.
6 h 33 min
